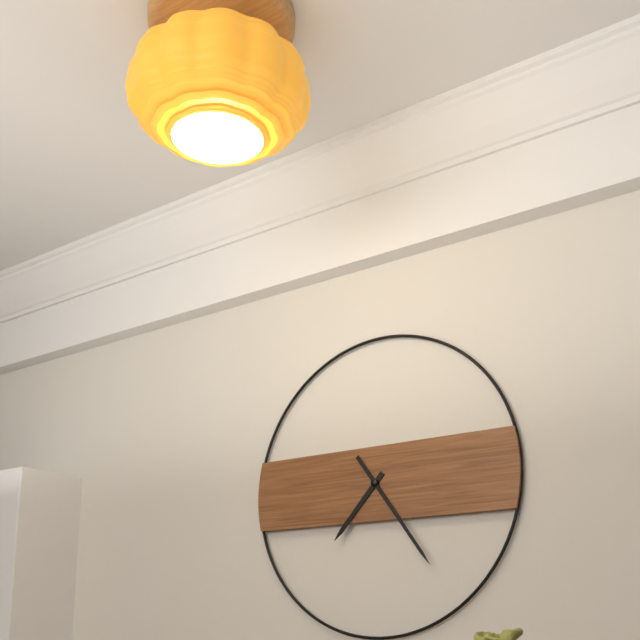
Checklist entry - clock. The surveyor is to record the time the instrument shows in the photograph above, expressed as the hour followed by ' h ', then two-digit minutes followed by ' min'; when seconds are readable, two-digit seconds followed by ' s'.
7 h 24 min
